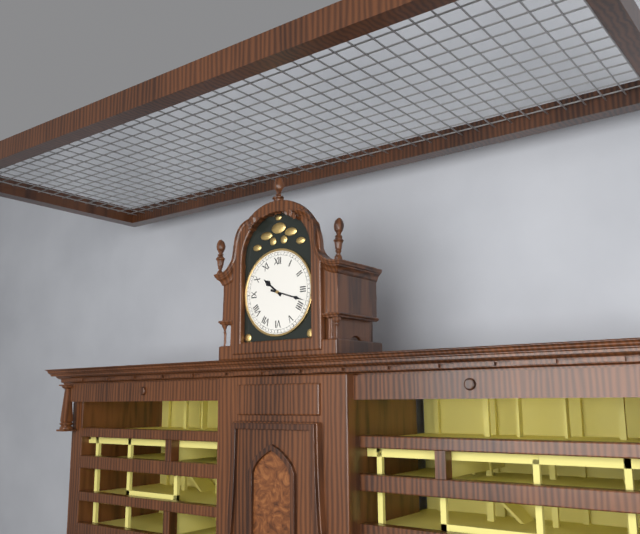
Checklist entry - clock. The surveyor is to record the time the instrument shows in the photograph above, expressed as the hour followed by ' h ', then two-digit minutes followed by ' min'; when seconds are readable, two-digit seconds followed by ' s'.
10 h 18 min
